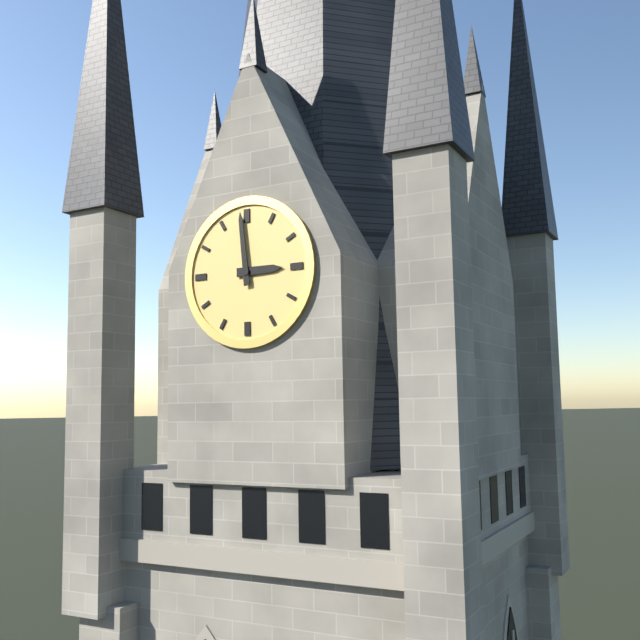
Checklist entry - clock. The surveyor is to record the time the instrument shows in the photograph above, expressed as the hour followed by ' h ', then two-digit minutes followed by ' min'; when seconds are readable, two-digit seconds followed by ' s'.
2 h 59 min
